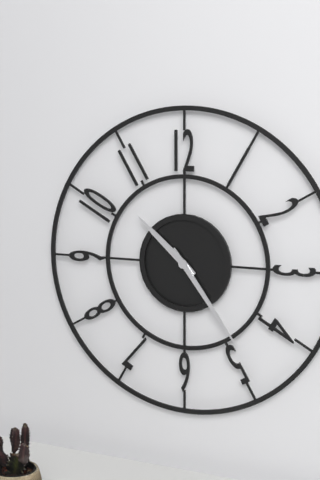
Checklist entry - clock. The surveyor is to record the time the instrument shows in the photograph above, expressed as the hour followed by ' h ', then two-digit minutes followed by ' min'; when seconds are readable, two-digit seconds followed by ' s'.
10 h 24 min
